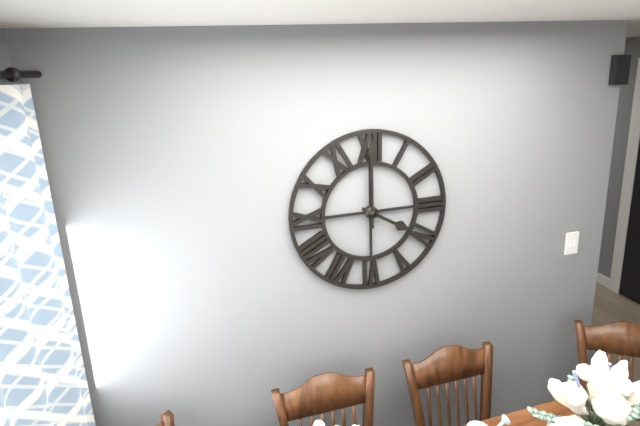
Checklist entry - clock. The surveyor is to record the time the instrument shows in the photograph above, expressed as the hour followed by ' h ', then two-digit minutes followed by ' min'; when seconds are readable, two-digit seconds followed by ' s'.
4 h 00 min
